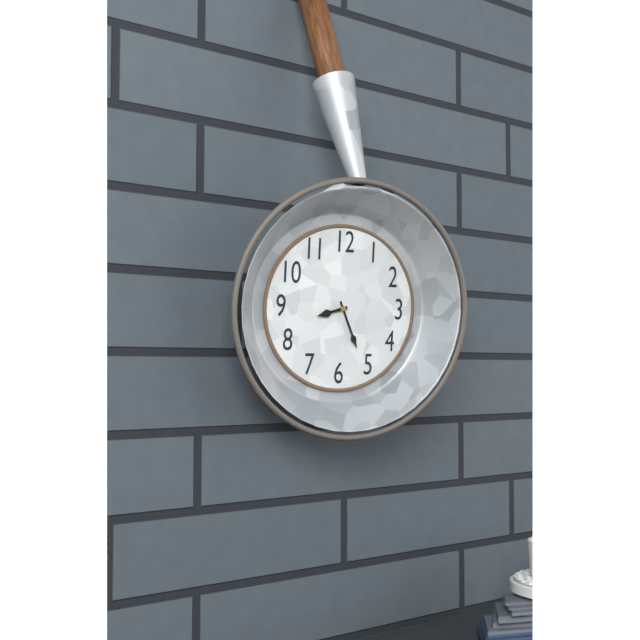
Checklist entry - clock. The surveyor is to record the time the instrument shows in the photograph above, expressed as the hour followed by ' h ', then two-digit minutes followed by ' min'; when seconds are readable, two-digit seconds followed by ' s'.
8 h 26 min
